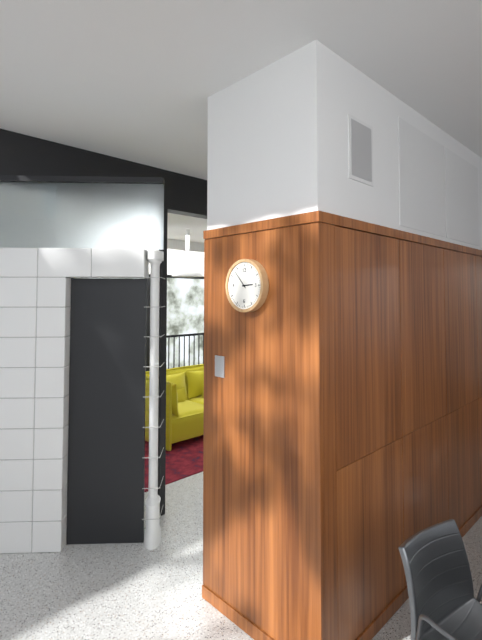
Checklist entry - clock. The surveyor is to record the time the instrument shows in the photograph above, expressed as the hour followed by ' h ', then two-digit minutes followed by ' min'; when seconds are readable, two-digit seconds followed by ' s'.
2 h 53 min
